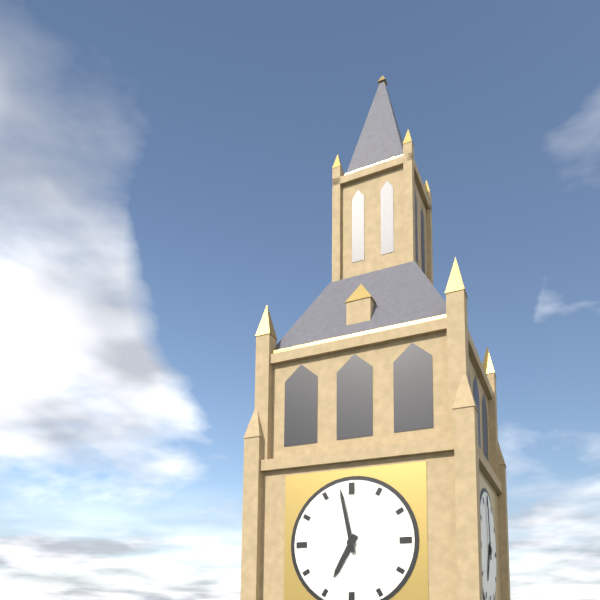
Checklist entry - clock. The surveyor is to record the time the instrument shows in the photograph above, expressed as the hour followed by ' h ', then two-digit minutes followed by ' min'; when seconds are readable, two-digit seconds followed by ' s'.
6 h 58 min
